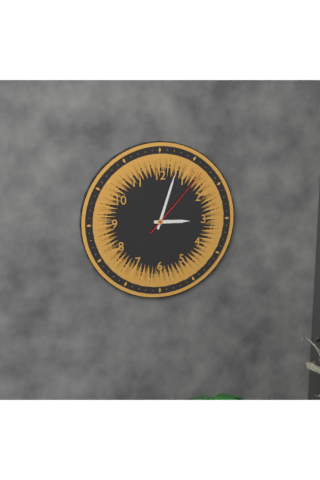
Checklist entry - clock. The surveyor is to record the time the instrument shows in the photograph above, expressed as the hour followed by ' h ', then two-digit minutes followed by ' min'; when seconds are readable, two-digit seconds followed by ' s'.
3 h 03 min 07 s
